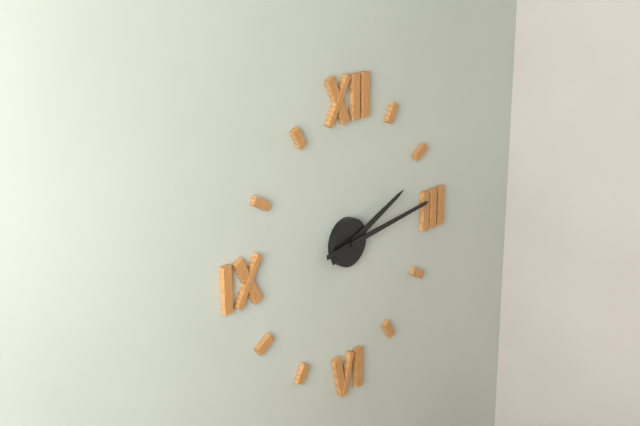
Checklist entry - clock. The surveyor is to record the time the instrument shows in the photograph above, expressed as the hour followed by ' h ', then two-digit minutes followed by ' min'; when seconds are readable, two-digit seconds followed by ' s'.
2 h 14 min
